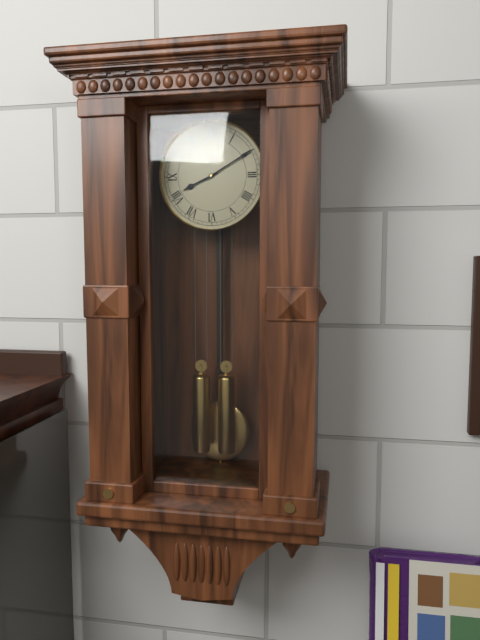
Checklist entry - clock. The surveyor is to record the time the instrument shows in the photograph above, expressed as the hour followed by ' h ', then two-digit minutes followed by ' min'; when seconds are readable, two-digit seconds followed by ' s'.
8 h 10 min
